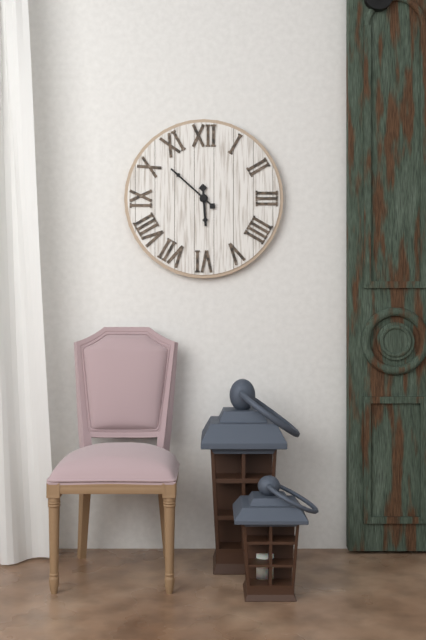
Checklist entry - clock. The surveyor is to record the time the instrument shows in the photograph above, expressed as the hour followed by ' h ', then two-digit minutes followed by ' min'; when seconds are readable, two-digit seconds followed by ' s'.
5 h 52 min
